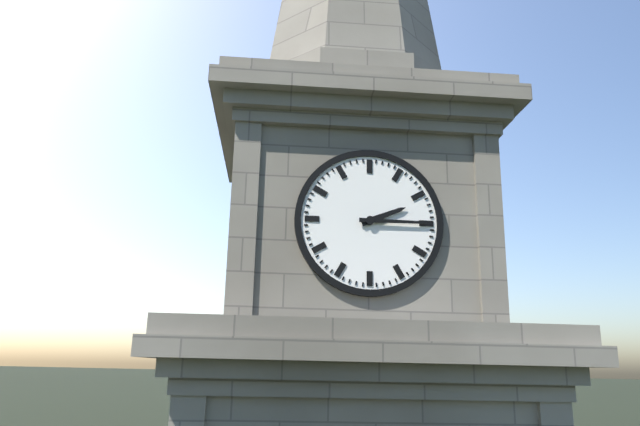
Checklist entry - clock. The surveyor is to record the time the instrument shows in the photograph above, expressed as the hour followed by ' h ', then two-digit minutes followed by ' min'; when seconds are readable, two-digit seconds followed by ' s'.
2 h 15 min
